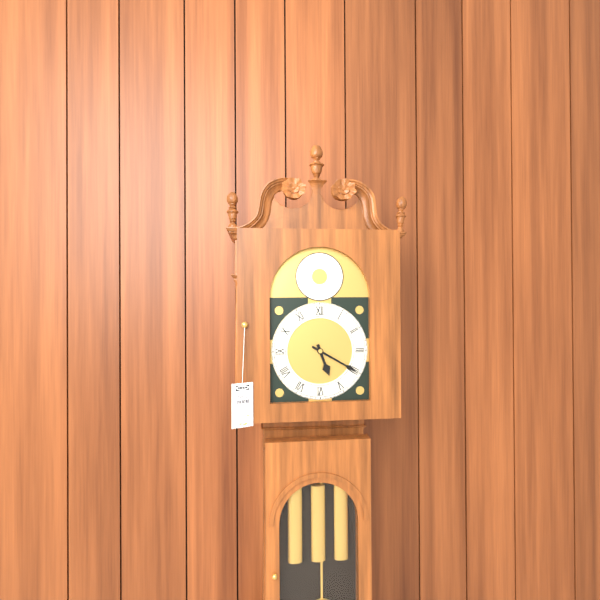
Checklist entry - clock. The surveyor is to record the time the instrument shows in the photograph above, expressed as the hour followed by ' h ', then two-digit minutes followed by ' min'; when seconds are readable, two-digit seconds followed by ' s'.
5 h 20 min
